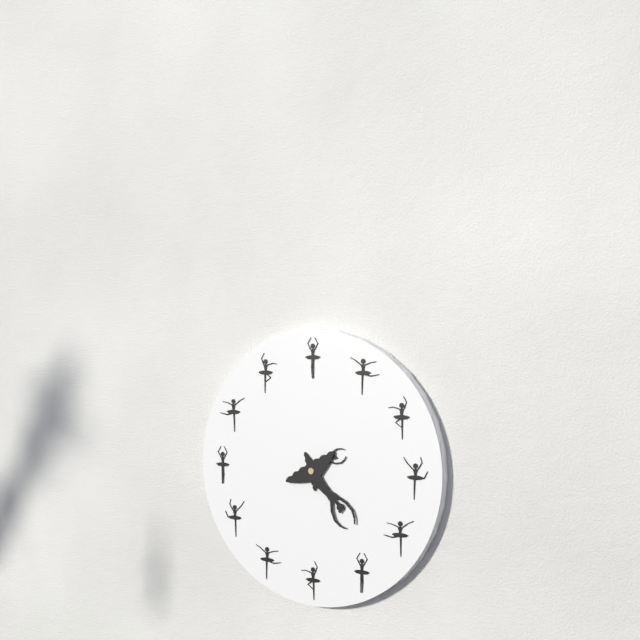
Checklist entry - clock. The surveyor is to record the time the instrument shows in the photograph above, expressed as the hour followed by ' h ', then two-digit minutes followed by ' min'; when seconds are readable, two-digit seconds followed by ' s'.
2 h 25 min
